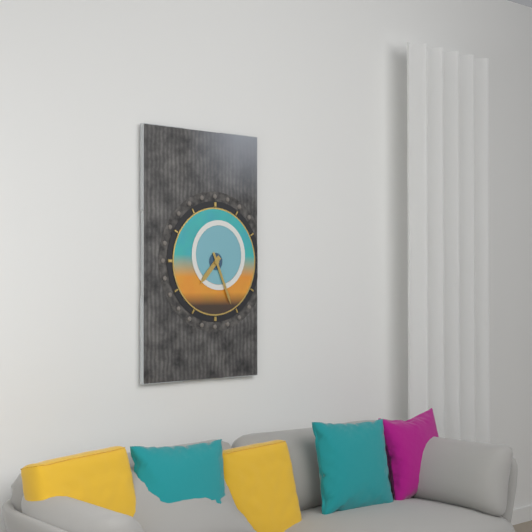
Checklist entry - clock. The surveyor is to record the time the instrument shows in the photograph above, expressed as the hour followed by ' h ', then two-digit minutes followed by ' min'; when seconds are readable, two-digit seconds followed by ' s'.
7 h 26 min
